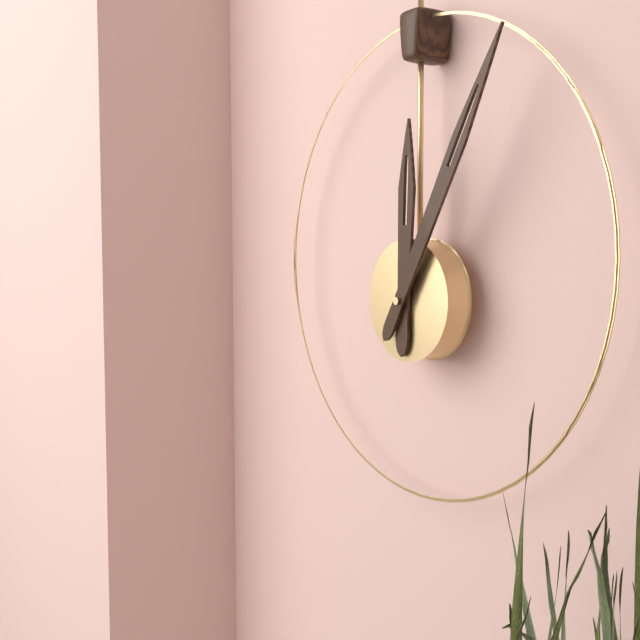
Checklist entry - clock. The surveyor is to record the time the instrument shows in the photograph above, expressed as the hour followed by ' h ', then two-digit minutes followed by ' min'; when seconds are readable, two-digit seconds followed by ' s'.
12 h 05 min
